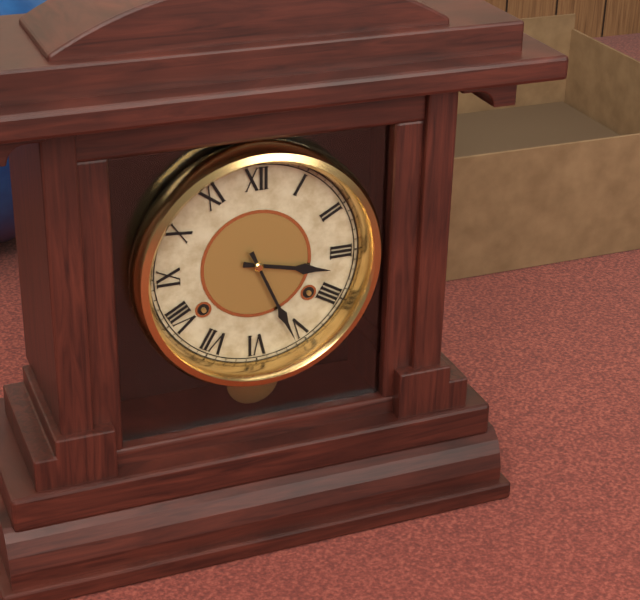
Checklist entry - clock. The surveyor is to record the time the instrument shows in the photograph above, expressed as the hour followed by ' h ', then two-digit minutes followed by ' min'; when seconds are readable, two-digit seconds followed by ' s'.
3 h 26 min
